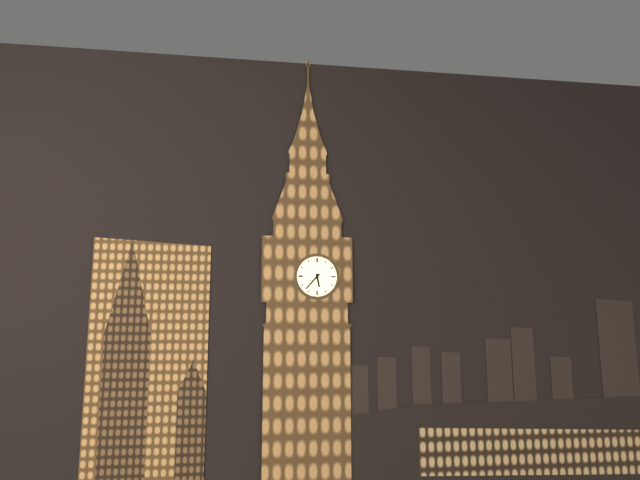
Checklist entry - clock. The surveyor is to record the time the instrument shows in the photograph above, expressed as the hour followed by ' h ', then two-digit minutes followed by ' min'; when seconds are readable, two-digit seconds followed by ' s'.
5 h 37 min
